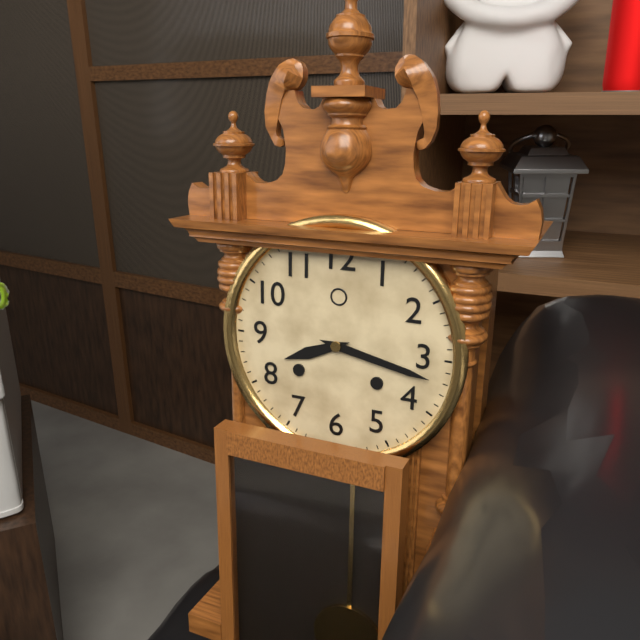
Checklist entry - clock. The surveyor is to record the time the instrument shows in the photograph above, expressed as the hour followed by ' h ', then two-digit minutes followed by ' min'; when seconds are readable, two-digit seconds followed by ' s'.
8 h 17 min
